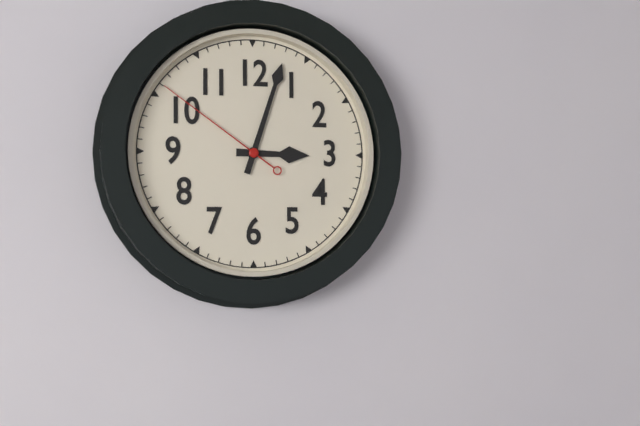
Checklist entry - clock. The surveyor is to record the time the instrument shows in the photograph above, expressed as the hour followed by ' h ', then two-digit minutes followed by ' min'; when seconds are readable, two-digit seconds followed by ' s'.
3 h 03 min 51 s
